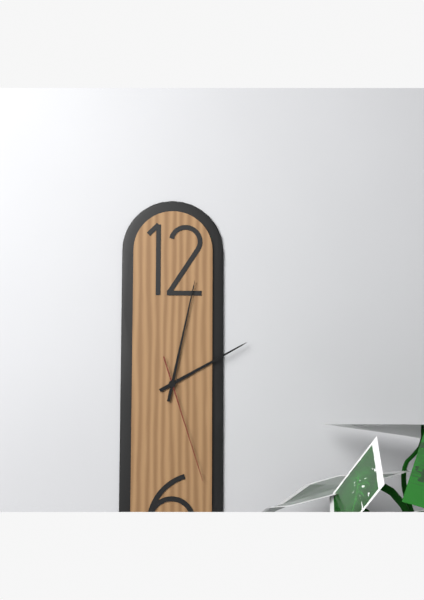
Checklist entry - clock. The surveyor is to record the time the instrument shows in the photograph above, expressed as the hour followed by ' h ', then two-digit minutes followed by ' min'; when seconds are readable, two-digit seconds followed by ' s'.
2 h 02 min 27 s
